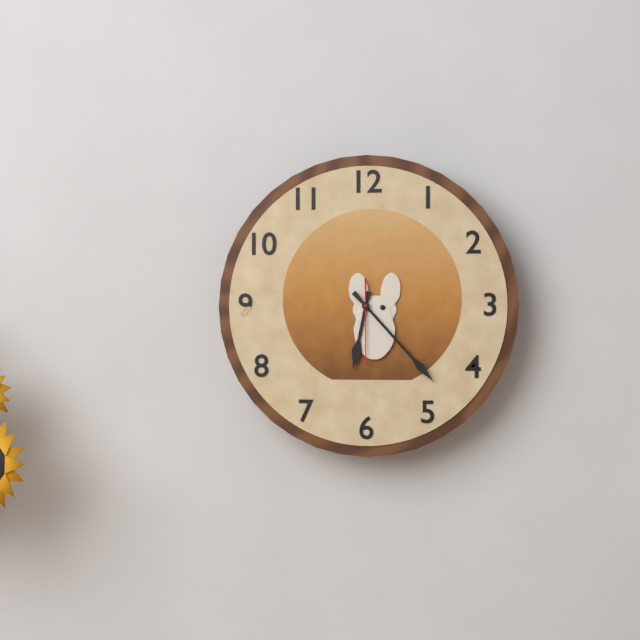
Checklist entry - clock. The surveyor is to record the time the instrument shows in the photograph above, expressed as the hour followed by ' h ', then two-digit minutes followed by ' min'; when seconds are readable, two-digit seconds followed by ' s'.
6 h 23 min 30 s
